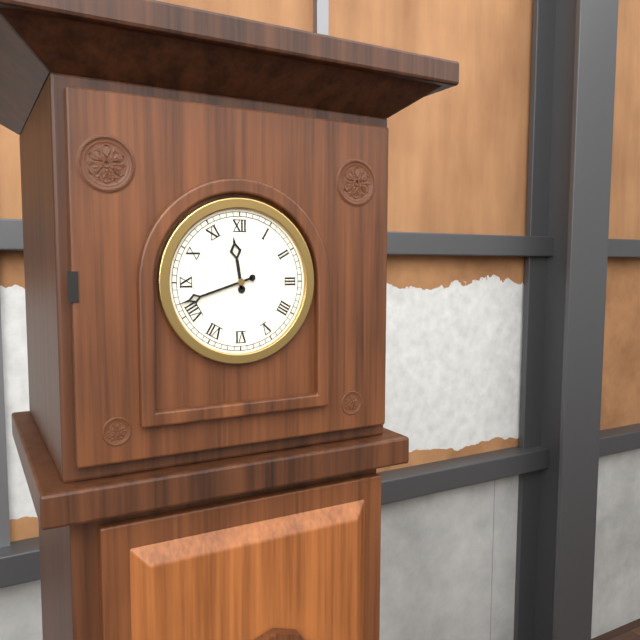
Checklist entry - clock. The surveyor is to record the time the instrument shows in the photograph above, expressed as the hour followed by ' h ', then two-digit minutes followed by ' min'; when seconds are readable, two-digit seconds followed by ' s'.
11 h 42 min
